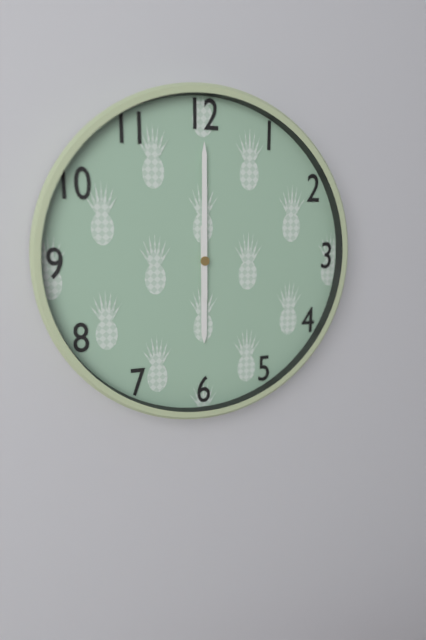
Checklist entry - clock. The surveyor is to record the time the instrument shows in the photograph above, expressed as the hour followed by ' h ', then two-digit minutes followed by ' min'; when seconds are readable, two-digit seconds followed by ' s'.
6 h 00 min
